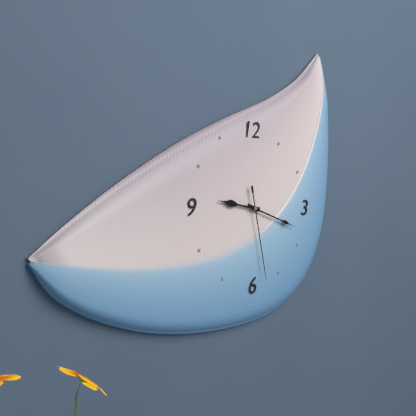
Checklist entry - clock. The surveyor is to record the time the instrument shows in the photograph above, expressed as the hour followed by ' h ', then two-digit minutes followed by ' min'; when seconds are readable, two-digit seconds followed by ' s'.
9 h 18 min 28 s
